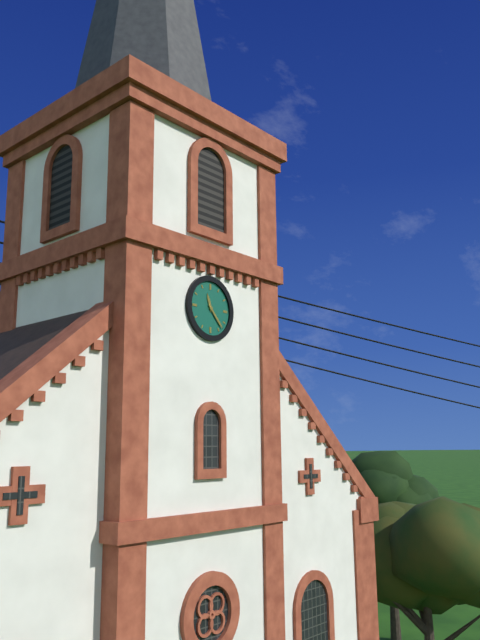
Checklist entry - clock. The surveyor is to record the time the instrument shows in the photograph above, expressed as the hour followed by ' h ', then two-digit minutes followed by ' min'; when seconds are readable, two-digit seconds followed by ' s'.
11 h 23 min
